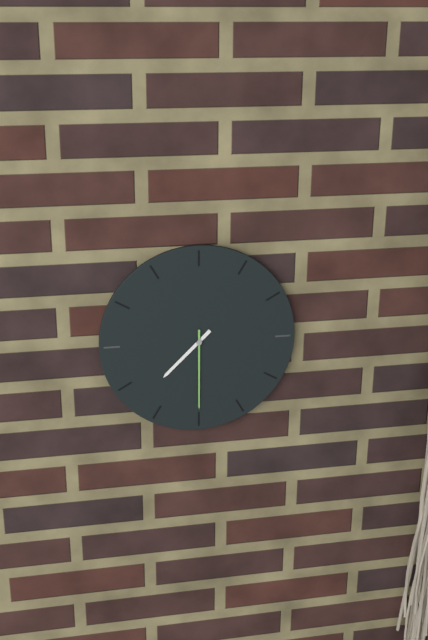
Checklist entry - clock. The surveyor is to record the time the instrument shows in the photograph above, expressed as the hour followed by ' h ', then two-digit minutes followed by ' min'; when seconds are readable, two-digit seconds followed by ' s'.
7 h 30 min
